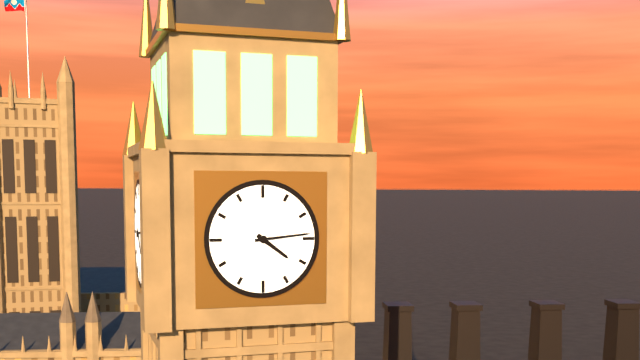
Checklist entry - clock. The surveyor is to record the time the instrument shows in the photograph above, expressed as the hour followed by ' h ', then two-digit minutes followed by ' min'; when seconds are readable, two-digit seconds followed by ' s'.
4 h 14 min
